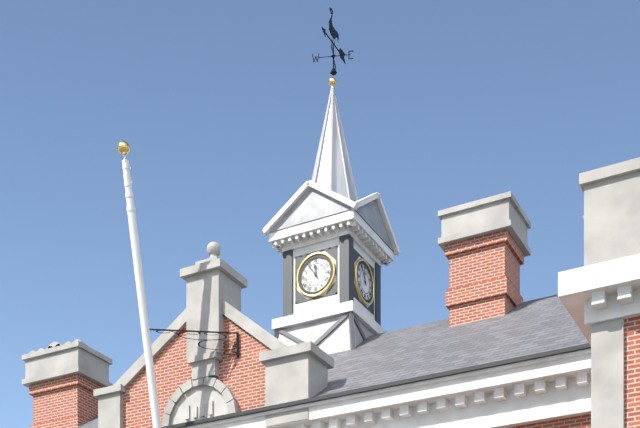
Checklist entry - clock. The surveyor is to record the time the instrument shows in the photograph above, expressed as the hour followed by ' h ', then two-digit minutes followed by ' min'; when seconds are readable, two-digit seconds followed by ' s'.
11 h 54 min
